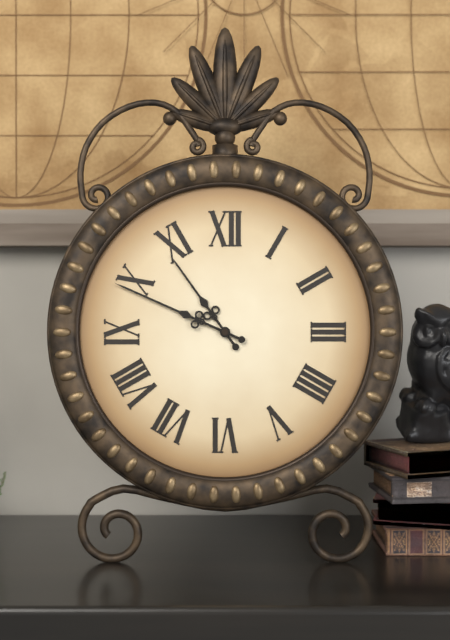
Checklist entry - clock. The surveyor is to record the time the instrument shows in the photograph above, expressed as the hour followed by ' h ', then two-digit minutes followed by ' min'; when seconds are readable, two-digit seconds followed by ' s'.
10 h 49 min
